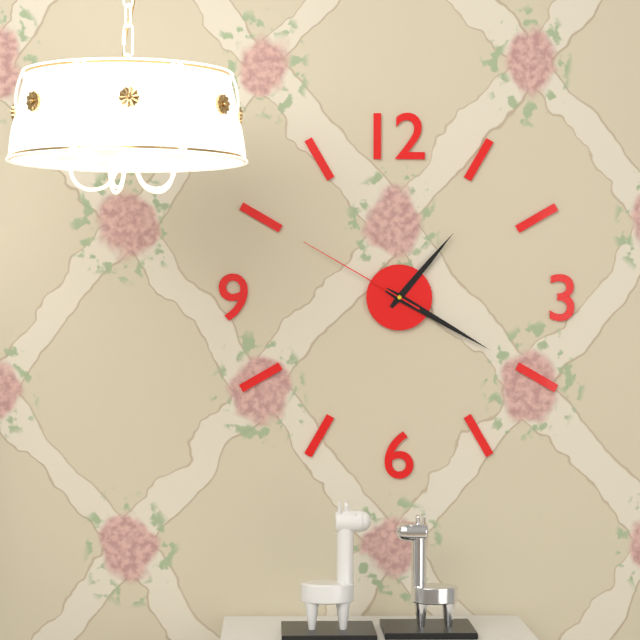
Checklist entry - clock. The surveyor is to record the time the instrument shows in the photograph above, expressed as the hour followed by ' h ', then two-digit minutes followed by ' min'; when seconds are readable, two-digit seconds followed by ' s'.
1 h 20 min 50 s
